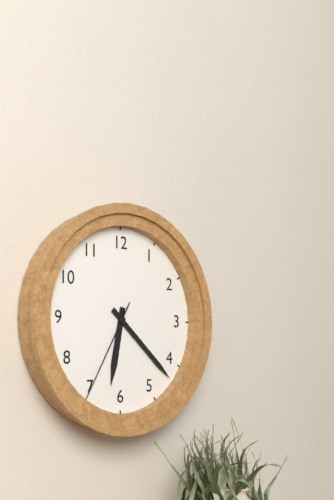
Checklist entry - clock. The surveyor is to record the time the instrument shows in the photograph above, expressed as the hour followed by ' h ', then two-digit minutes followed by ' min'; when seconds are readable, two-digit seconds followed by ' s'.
6 h 22 min 35 s
